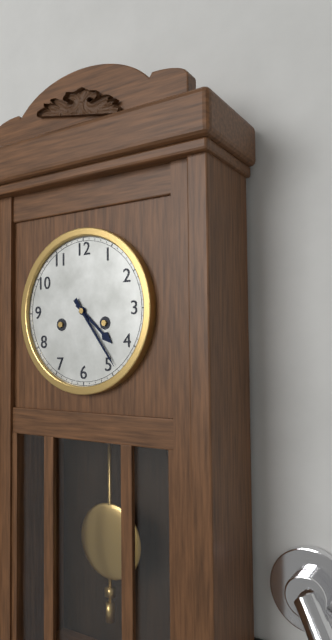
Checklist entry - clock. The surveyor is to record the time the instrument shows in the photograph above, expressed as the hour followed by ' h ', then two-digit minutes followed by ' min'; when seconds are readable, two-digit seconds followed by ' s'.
4 h 24 min
